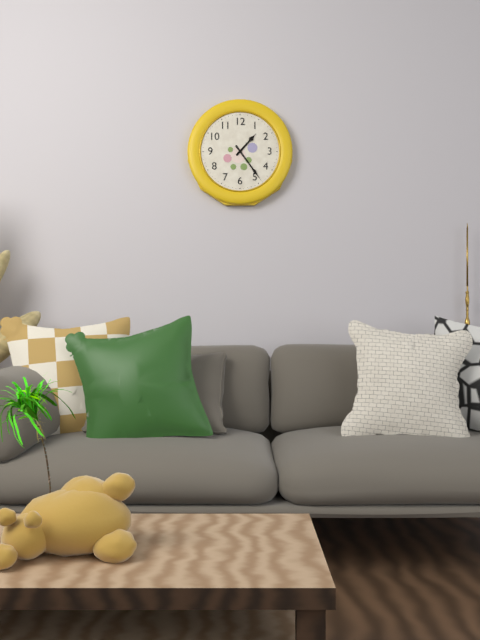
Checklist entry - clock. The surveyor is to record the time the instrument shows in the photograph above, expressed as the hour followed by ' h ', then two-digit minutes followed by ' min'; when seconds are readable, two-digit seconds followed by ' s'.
1 h 24 min
